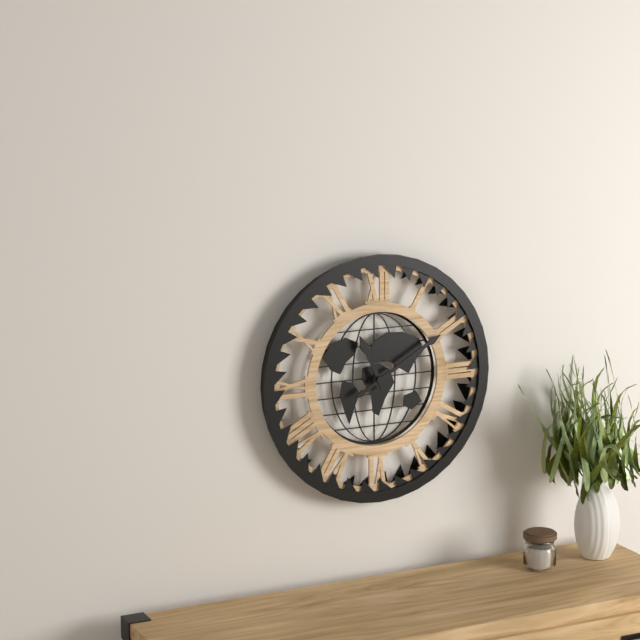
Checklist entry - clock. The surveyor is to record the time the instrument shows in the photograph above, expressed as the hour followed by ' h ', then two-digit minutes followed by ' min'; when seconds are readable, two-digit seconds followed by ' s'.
11 h 10 min
